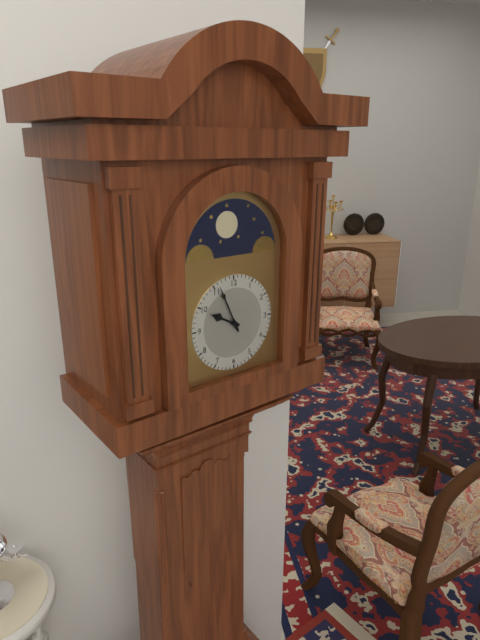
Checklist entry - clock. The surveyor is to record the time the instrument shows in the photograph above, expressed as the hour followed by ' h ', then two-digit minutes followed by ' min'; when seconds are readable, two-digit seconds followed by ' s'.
9 h 56 min
